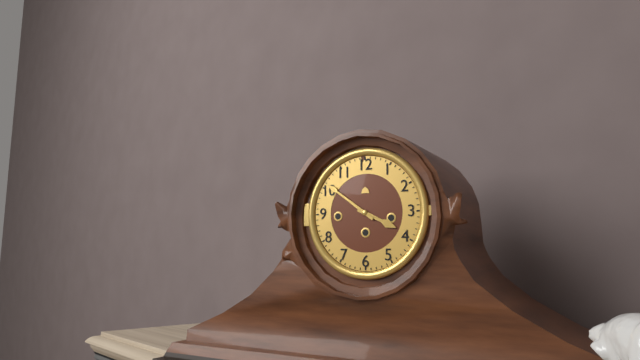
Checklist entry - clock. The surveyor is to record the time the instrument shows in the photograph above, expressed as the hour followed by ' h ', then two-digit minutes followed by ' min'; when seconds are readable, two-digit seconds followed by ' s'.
3 h 51 min
